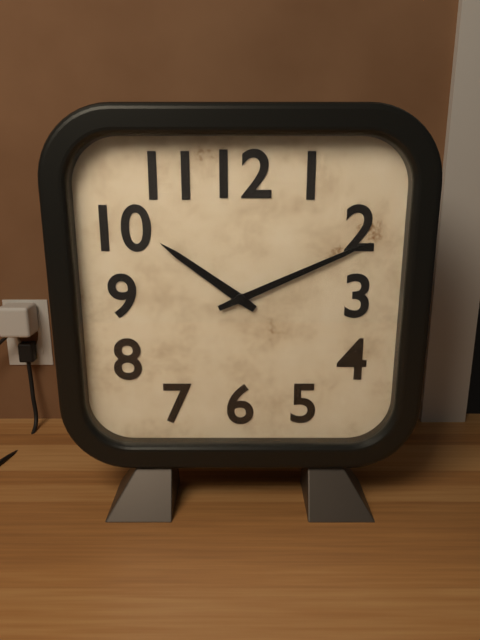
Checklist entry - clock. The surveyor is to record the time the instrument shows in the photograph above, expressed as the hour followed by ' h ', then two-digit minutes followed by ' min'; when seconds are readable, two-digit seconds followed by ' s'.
10 h 11 min
